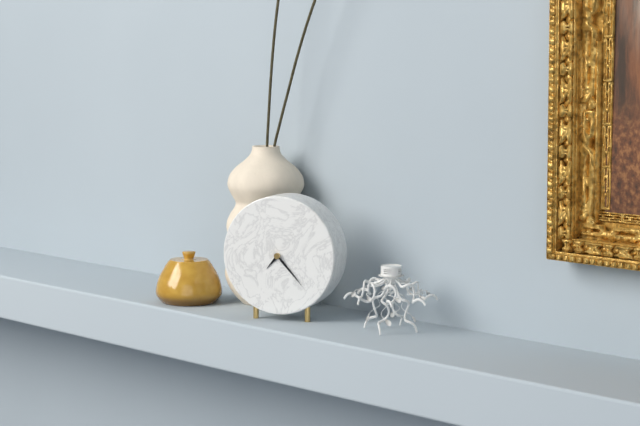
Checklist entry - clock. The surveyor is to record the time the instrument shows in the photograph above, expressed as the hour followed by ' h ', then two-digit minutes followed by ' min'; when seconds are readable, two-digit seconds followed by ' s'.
7 h 23 min
